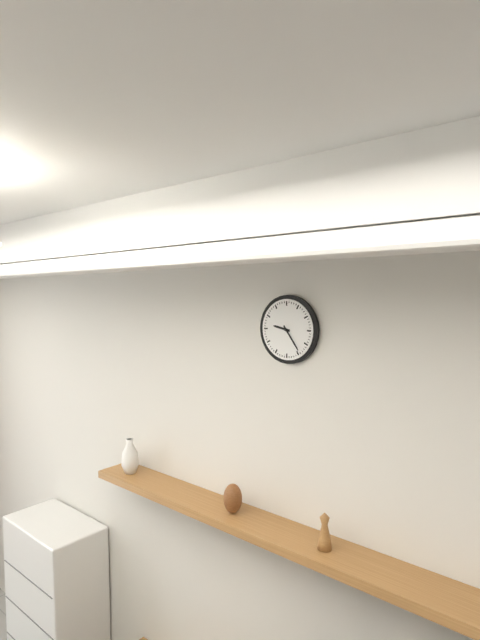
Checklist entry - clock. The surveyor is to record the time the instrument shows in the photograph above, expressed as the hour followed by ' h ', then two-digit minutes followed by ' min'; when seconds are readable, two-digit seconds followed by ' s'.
9 h 24 min
